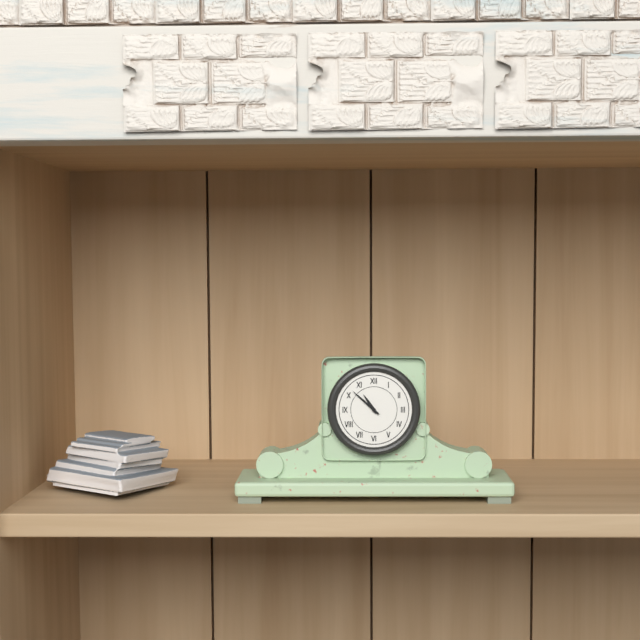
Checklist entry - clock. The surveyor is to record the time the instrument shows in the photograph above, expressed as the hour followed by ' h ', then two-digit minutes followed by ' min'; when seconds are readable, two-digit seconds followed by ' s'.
10 h 52 min
